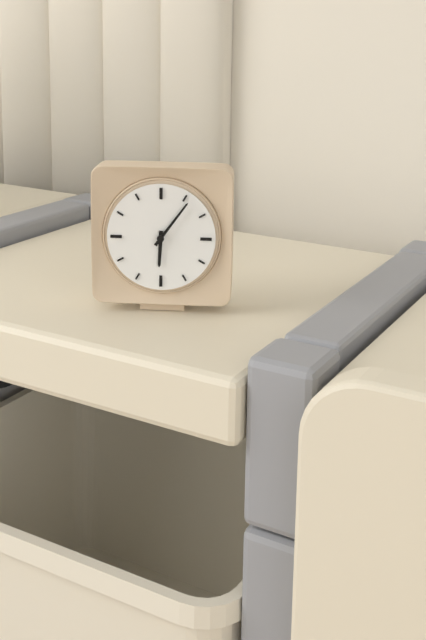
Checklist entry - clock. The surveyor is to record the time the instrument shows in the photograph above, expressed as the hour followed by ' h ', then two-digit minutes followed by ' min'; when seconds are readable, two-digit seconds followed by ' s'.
6 h 06 min
